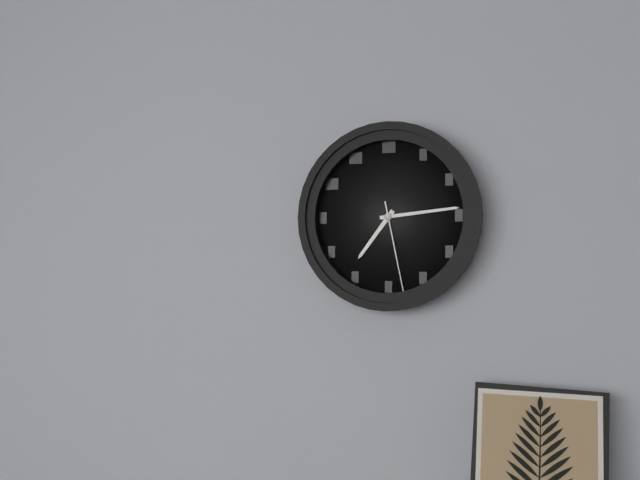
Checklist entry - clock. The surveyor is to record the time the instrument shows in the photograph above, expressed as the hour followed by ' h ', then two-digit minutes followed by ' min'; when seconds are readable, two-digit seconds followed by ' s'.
7 h 14 min 28 s
